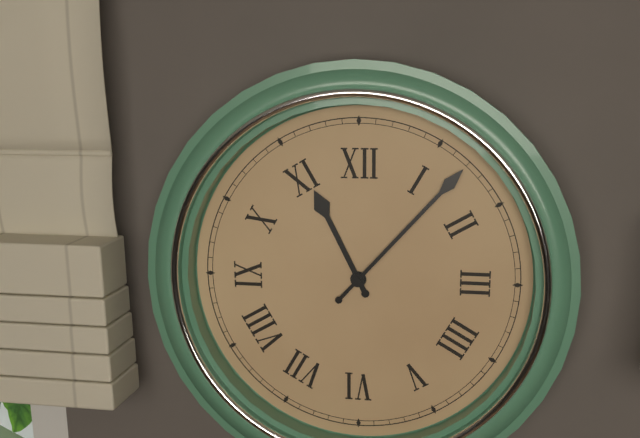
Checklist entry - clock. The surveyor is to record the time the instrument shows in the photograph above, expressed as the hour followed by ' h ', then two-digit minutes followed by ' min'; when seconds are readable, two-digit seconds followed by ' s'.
11 h 07 min
